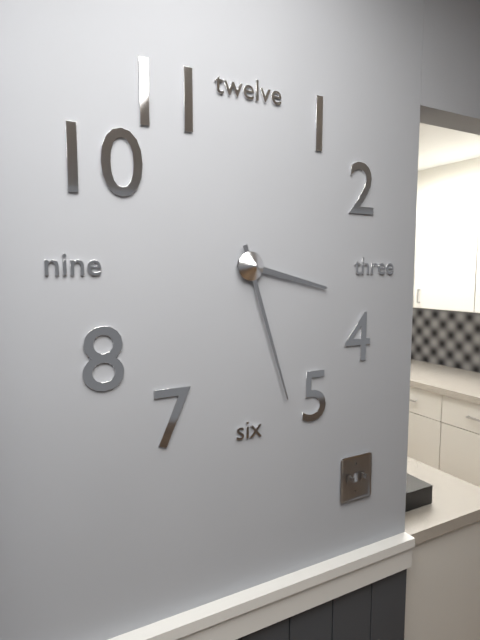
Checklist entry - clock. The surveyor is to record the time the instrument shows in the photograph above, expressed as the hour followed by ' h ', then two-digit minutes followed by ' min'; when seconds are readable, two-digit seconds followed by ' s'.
3 h 27 min
